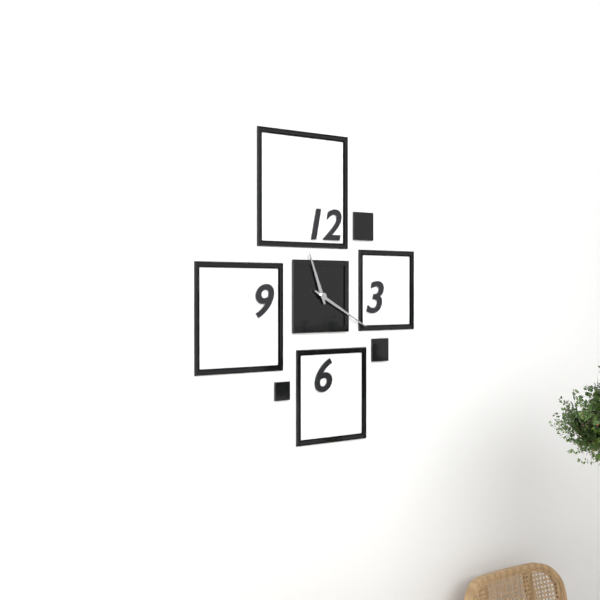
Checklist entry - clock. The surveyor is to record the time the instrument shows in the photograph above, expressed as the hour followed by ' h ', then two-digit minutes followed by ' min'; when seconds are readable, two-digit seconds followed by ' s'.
11 h 20 min
